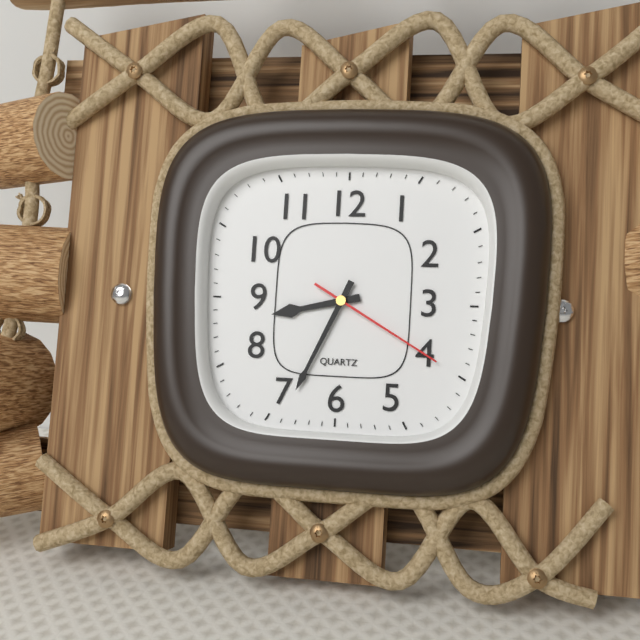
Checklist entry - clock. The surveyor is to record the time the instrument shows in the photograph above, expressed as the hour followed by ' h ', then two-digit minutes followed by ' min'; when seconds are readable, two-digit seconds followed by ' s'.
8 h 34 min 20 s
